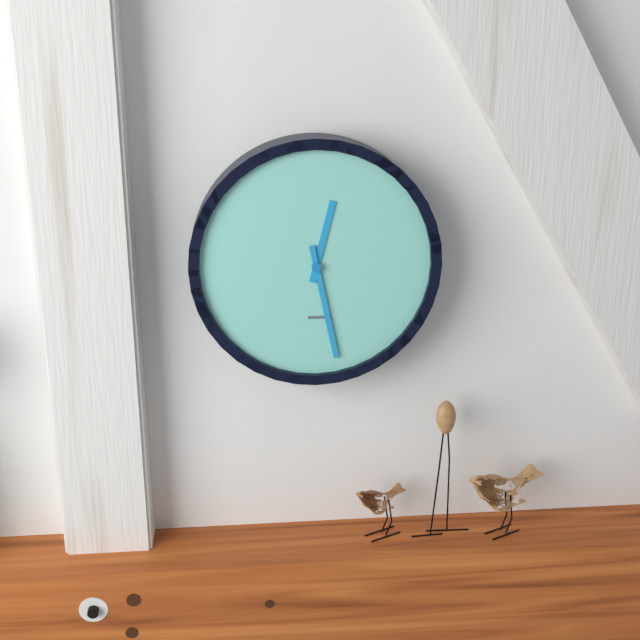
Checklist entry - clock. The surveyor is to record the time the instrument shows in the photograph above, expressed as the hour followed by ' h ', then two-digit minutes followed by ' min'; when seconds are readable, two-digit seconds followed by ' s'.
12 h 28 min
